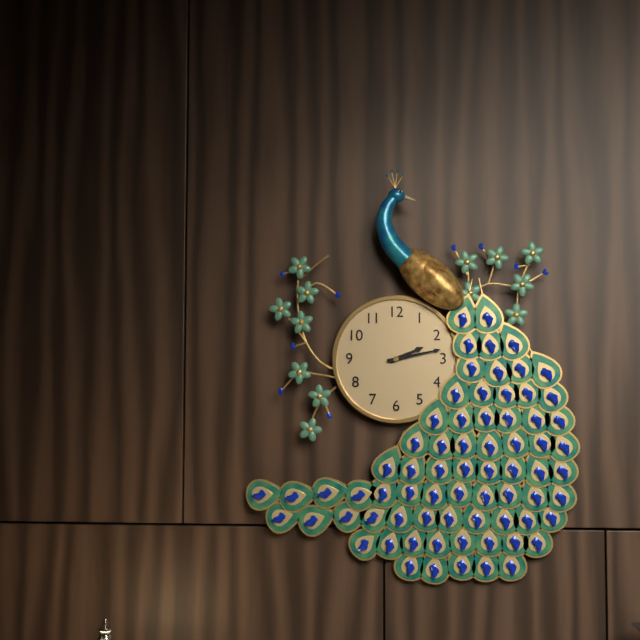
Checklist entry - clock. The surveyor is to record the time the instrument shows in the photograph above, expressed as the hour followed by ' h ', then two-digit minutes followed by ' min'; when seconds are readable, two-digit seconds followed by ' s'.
2 h 13 min
